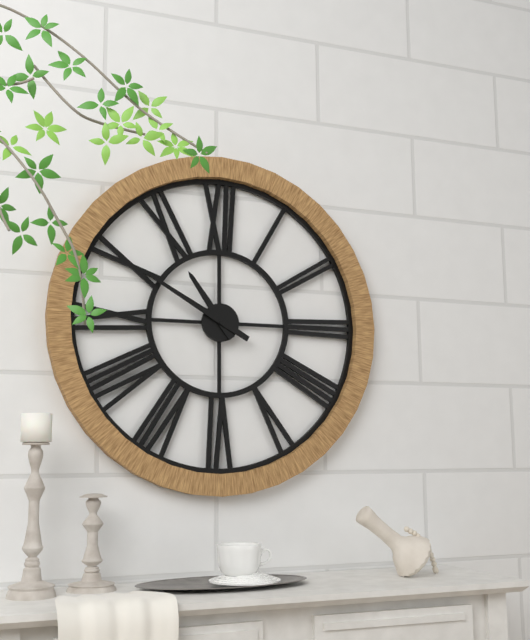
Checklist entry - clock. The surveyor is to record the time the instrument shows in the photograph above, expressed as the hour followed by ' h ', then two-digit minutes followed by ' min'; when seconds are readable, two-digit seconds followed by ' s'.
10 h 50 min
